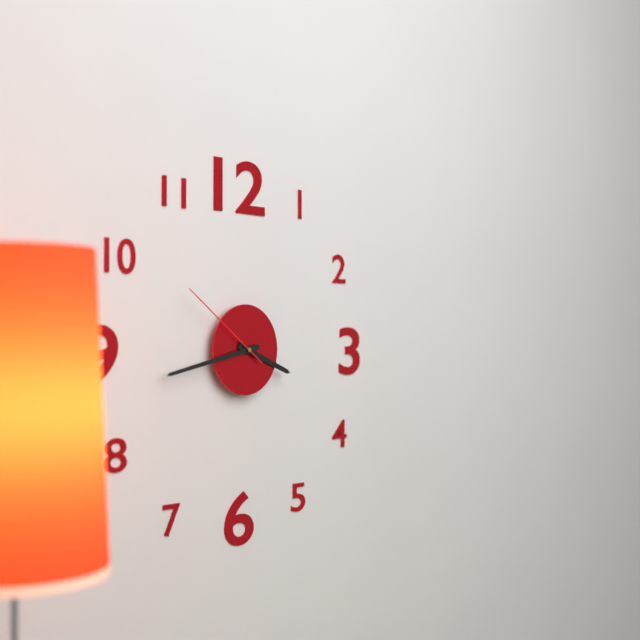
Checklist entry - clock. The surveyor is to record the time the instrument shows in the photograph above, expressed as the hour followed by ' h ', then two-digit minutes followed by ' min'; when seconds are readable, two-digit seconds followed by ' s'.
3 h 43 min 51 s
